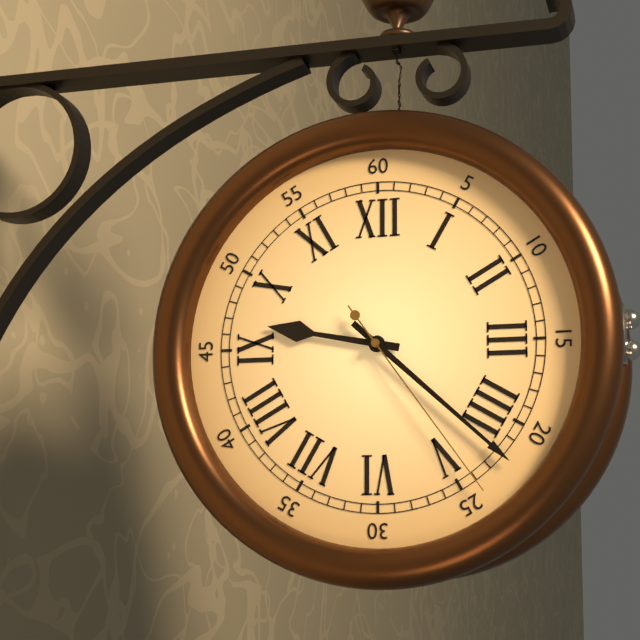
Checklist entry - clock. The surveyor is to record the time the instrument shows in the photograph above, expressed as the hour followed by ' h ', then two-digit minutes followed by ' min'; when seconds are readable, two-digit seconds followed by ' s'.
9 h 22 min 24 s
